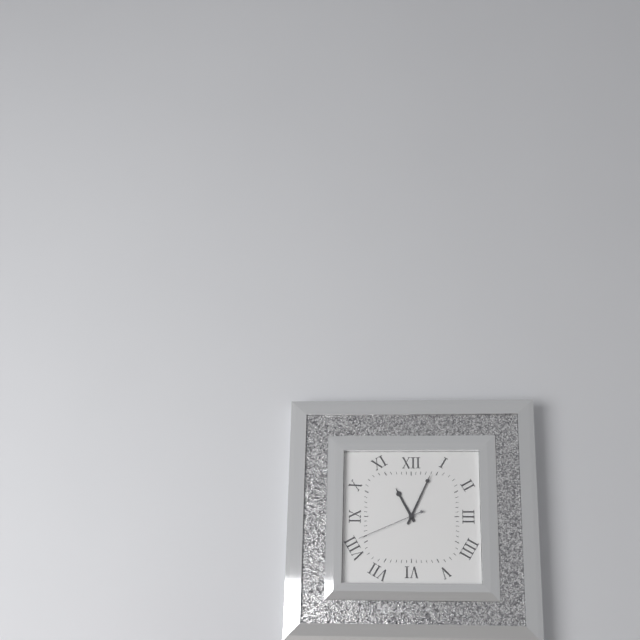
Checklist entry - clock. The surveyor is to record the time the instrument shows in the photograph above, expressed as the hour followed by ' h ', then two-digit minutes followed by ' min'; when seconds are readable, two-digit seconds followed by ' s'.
11 h 04 min 41 s
